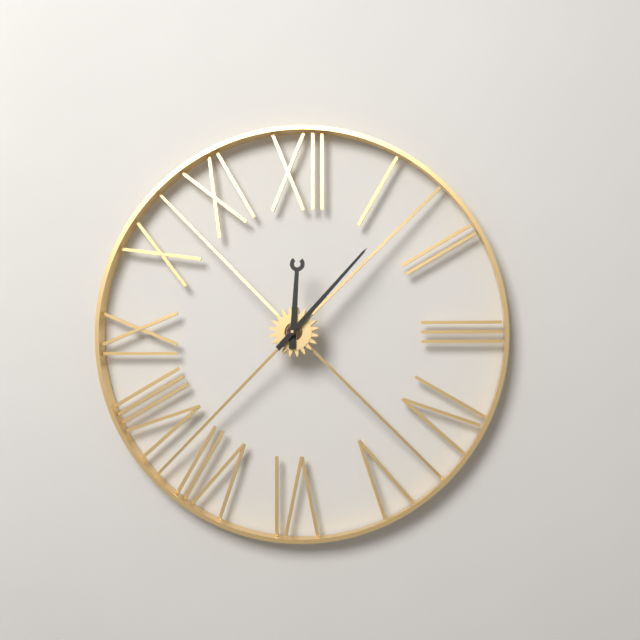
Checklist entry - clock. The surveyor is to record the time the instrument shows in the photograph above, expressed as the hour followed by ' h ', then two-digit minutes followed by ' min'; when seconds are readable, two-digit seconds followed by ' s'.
12 h 07 min
